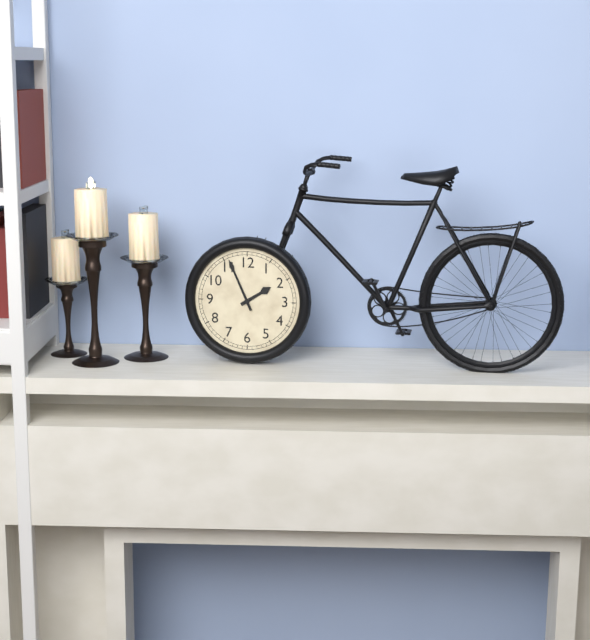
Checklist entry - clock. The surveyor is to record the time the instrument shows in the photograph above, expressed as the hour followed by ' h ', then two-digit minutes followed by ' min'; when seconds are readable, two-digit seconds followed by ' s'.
1 h 56 min
